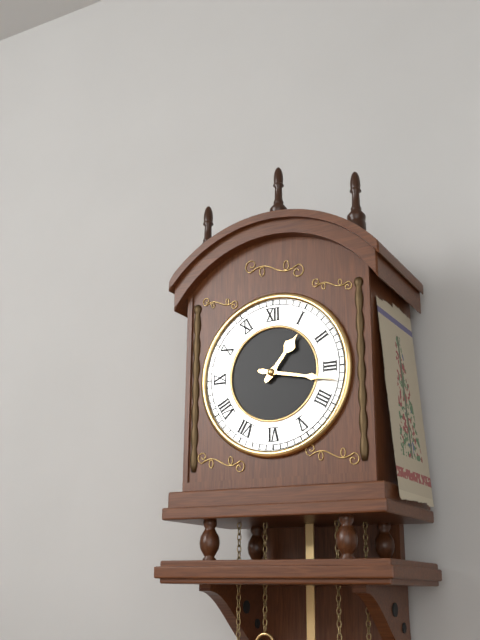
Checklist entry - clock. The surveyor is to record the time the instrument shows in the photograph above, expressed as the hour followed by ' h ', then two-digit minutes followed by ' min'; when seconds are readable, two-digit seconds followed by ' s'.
1 h 17 min
